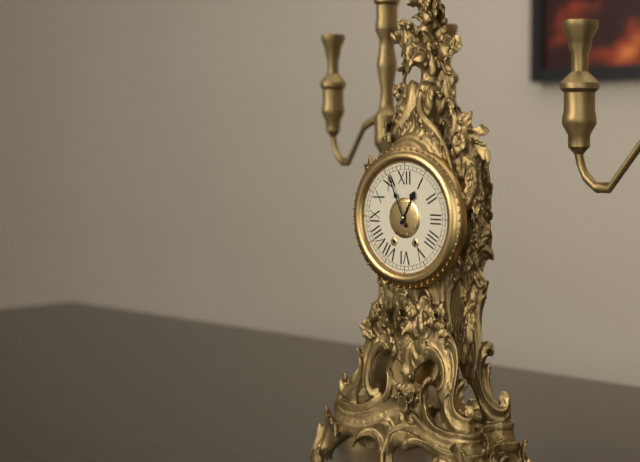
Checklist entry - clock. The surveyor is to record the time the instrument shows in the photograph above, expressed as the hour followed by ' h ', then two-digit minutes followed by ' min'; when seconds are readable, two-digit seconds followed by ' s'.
12 h 56 min
